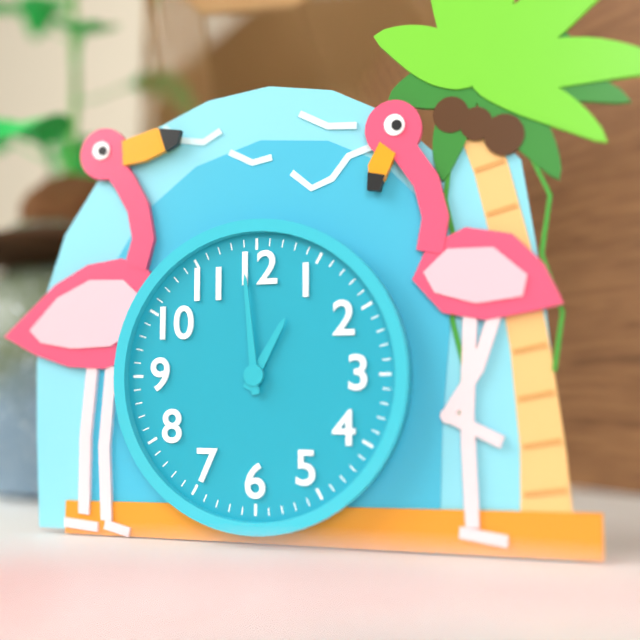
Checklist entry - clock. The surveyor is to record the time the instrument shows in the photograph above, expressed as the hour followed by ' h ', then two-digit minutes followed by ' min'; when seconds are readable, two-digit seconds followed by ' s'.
12 h 59 min
